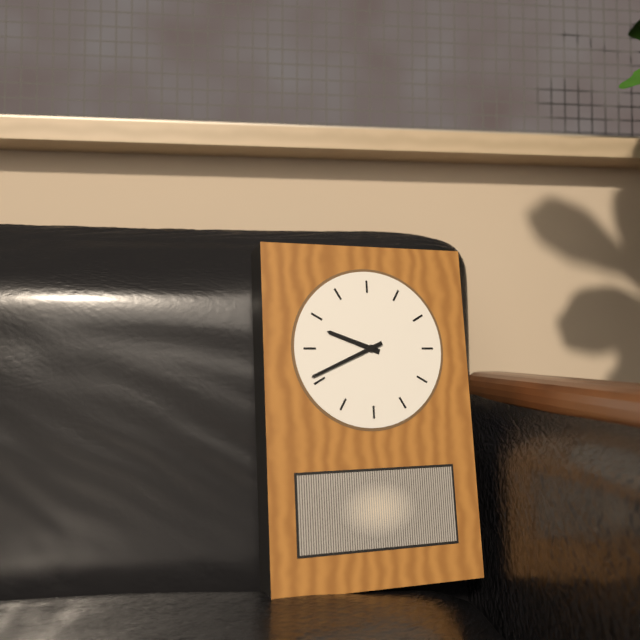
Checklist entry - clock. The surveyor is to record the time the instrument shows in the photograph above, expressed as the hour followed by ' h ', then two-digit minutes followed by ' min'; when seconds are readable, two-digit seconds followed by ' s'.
9 h 41 min
